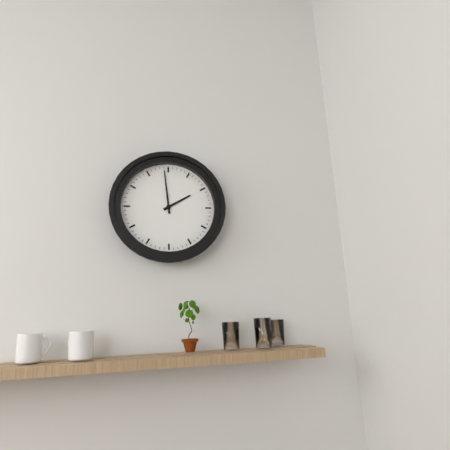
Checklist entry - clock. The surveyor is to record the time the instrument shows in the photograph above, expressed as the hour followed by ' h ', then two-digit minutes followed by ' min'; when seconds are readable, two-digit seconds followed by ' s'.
1 h 59 min
